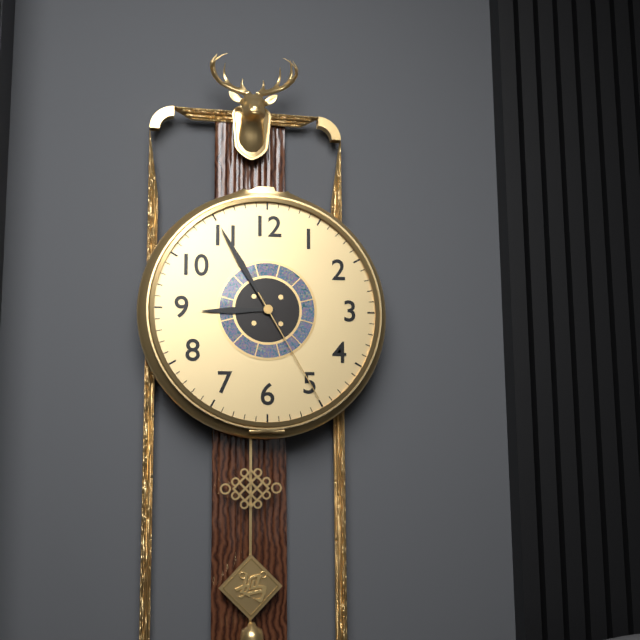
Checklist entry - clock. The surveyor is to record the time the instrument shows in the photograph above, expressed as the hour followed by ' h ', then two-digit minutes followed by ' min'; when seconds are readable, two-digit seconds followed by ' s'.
8 h 55 min 25 s
